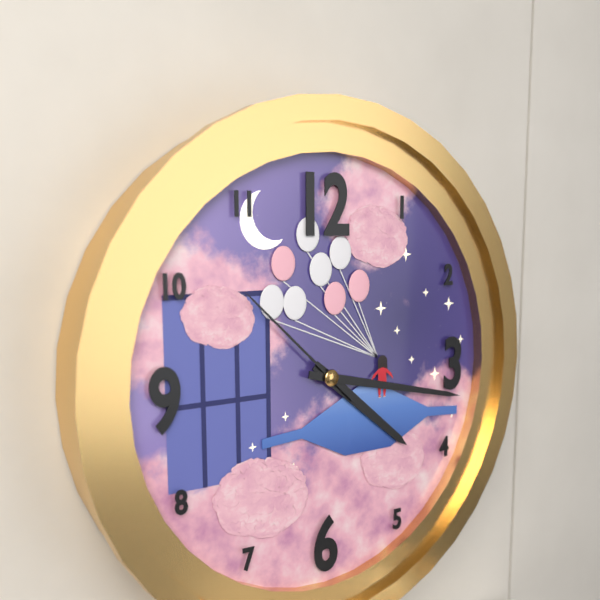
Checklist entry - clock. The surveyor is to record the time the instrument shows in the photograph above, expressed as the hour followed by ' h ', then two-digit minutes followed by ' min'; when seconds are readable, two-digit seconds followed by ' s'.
4 h 17 min 52 s
